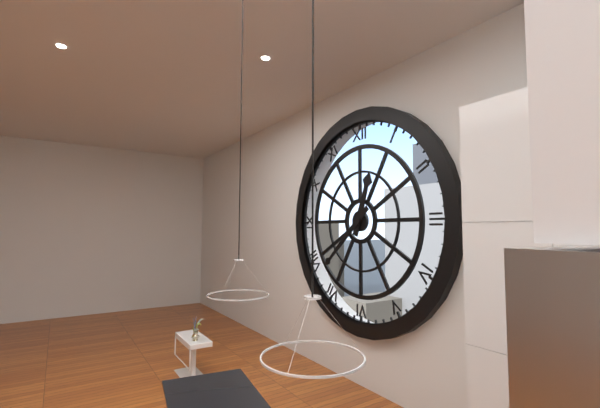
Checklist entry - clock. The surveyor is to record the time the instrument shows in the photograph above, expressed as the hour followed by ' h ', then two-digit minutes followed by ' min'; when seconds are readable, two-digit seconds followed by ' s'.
12 h 38 min
